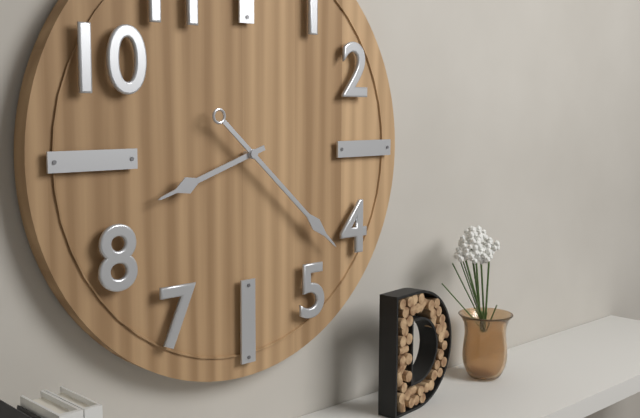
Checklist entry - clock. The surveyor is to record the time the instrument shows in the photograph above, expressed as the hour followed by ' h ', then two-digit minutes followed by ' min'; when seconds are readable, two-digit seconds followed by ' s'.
8 h 22 min
